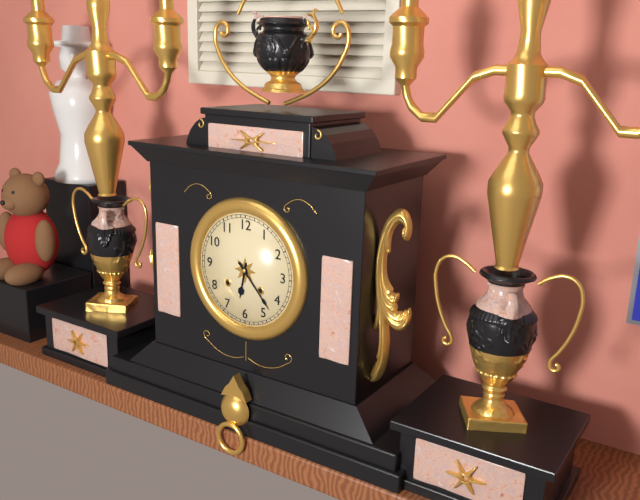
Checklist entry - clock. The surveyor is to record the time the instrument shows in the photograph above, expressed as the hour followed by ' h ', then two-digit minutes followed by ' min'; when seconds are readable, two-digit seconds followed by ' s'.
6 h 23 min
